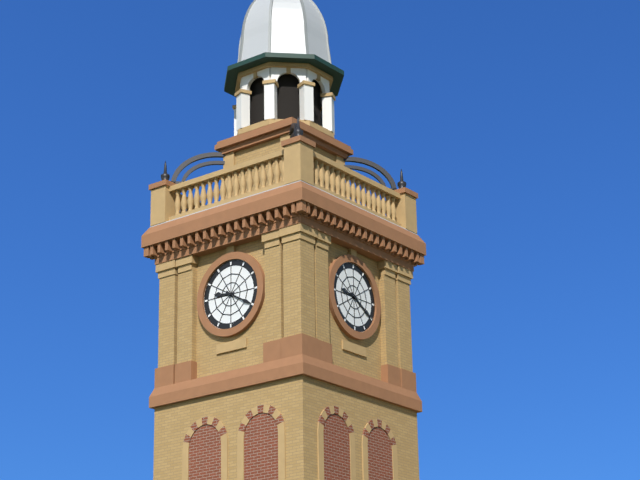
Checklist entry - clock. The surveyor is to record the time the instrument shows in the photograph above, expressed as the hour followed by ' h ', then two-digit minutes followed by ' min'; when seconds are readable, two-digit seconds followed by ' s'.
9 h 20 min
